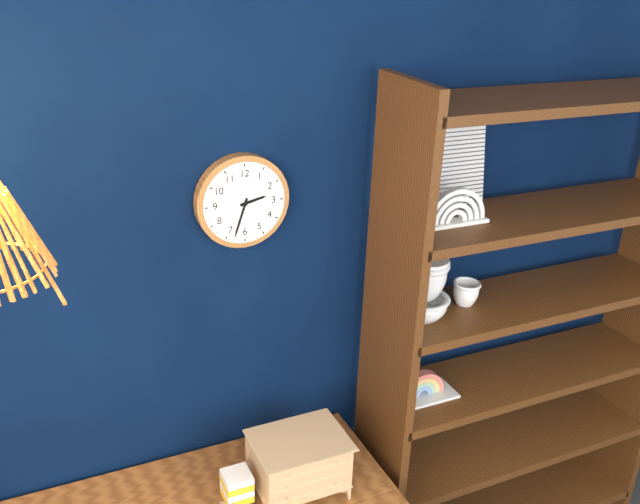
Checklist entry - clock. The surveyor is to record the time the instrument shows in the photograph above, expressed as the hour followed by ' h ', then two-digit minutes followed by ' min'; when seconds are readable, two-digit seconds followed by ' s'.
2 h 33 min
